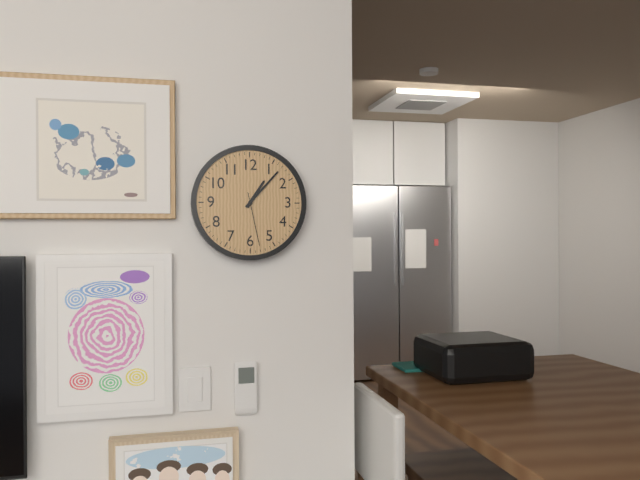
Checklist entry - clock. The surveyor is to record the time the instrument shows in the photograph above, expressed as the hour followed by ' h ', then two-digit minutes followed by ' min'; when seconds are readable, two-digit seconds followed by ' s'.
1 h 07 min 28 s
